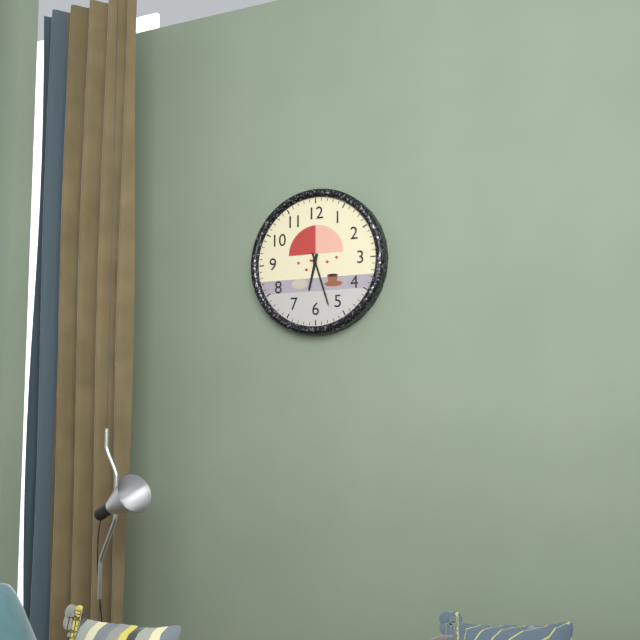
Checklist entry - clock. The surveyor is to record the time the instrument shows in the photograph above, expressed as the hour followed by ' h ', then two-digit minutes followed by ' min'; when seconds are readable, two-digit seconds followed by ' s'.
6 h 27 min
